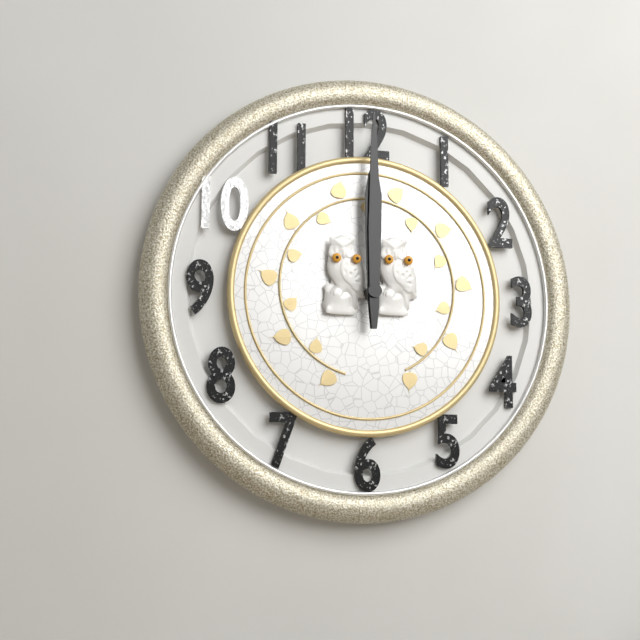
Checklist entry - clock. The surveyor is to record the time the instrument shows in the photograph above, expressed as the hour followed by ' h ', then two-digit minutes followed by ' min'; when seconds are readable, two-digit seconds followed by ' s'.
12 h 00 min
